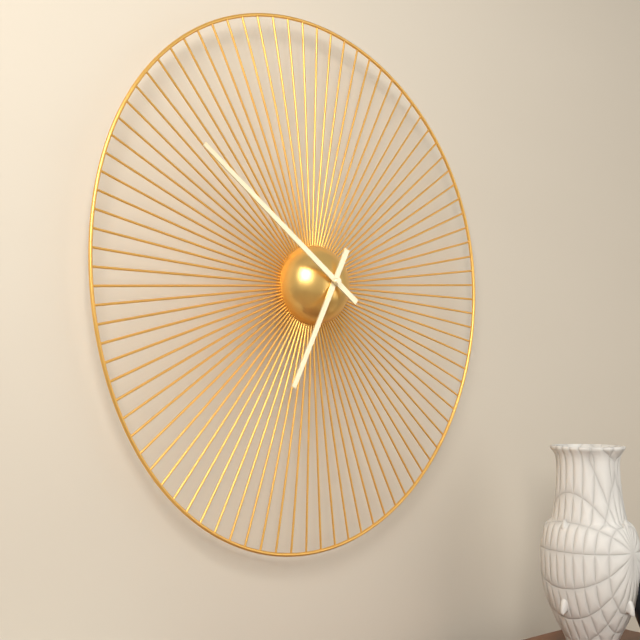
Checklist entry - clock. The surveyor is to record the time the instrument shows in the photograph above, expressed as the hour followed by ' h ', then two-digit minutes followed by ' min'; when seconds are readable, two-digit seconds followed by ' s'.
6 h 51 min
